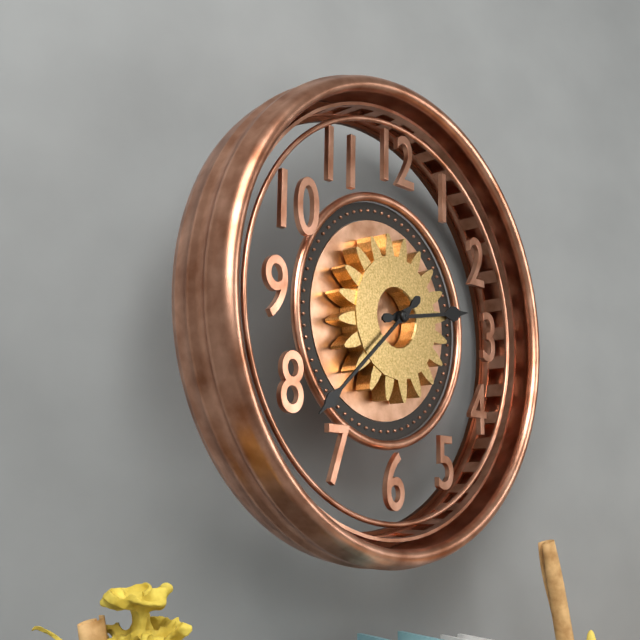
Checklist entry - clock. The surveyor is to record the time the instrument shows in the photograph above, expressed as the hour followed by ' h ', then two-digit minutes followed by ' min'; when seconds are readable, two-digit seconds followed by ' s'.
2 h 38 min
